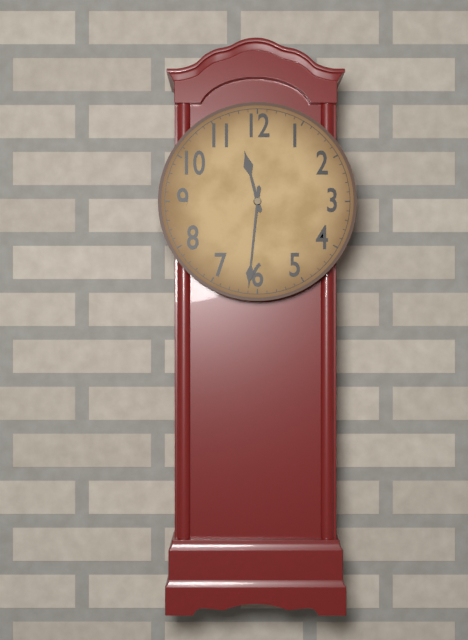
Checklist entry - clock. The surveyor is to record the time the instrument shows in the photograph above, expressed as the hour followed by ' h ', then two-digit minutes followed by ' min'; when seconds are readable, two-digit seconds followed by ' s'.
11 h 31 min
